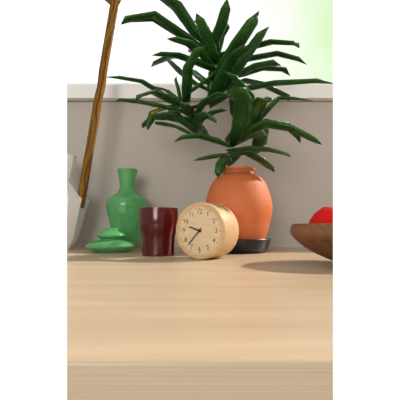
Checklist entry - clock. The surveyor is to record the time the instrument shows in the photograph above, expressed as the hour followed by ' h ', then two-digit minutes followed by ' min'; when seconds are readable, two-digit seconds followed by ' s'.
9 h 37 min
